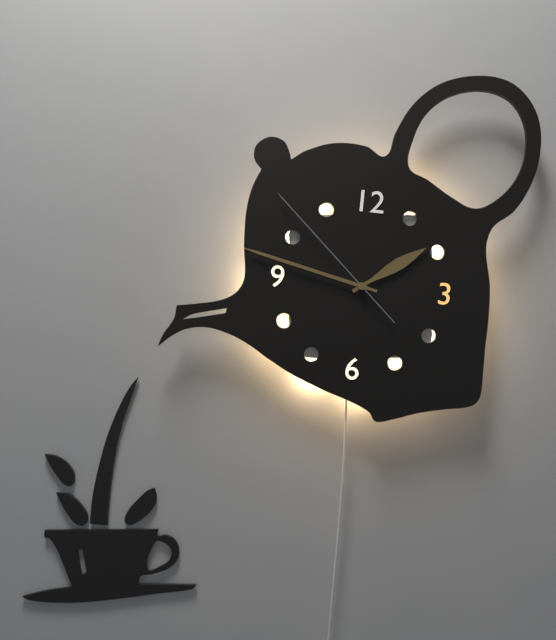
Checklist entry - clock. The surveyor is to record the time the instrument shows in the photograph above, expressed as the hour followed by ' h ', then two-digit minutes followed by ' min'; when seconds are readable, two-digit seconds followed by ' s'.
1 h 47 min 52 s
